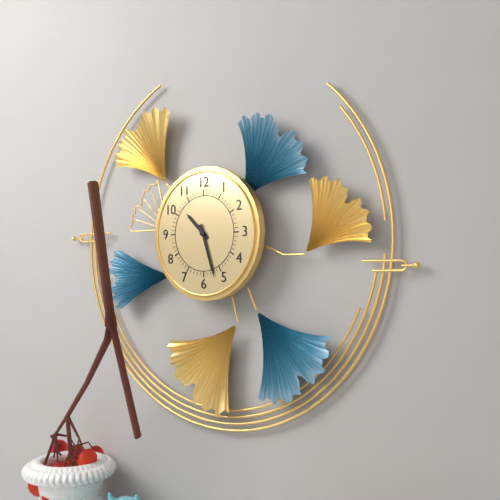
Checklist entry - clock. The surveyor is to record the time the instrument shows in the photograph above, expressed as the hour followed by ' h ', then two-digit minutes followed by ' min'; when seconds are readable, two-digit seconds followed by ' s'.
10 h 27 min
